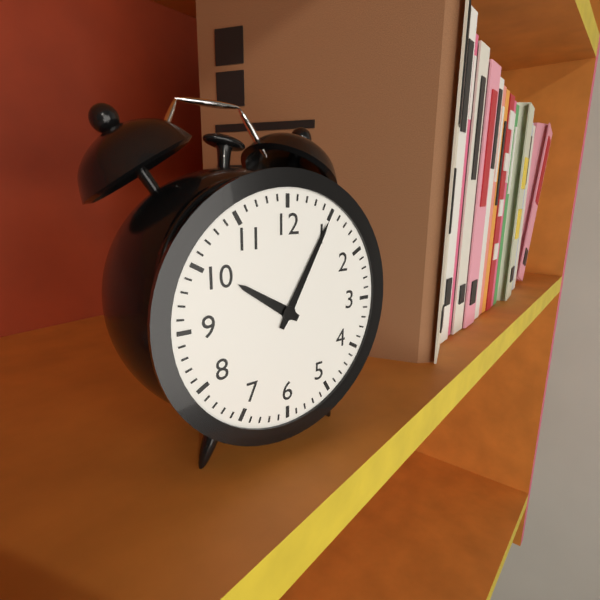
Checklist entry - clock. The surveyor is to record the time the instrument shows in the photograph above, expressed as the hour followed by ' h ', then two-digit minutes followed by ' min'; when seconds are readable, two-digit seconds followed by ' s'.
10 h 05 min
